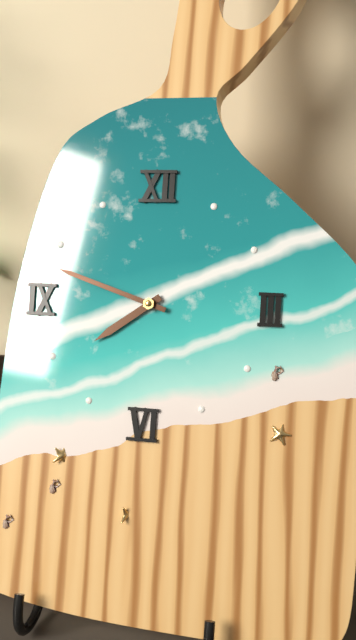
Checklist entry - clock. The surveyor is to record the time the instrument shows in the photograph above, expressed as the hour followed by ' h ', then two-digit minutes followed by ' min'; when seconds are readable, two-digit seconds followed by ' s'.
7 h 48 min
